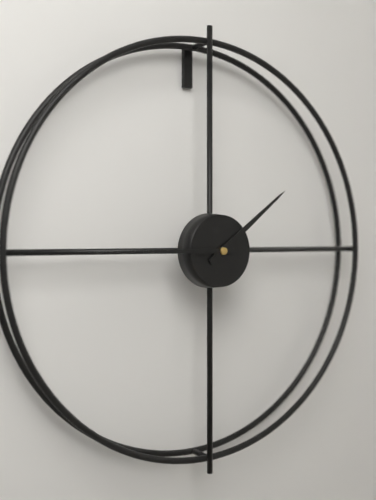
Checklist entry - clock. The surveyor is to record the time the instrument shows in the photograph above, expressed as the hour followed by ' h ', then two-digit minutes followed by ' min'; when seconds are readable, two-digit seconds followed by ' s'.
1 h 45 min
